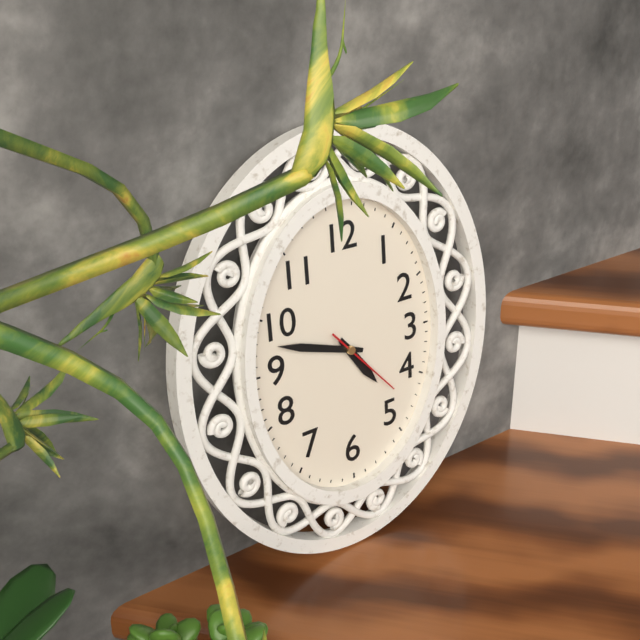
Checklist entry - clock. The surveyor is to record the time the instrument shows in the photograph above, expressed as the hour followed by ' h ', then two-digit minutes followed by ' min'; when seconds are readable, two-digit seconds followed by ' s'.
4 h 48 min 23 s
